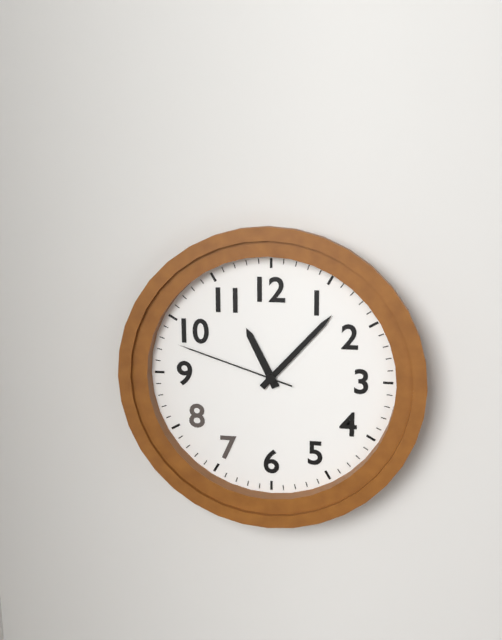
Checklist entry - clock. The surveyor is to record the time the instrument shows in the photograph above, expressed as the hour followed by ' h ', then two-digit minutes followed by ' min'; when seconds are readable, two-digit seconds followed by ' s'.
11 h 07 min 48 s
